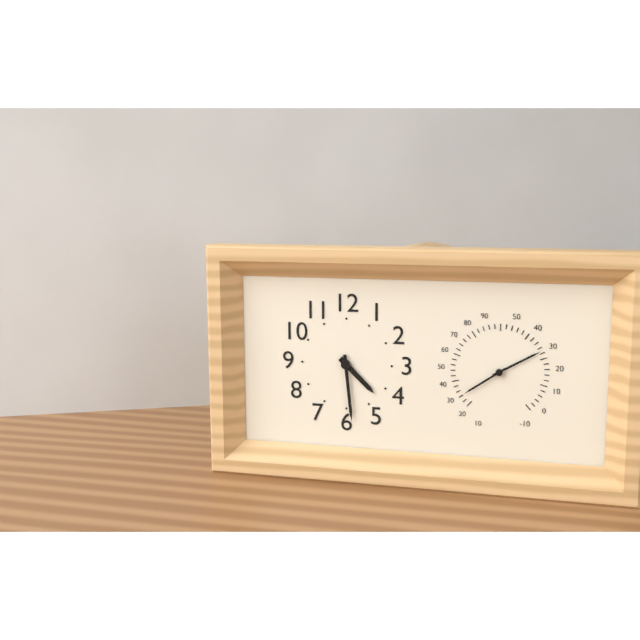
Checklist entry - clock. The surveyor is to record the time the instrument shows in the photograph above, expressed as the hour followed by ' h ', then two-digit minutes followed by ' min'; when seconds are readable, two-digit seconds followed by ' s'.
4 h 29 min
